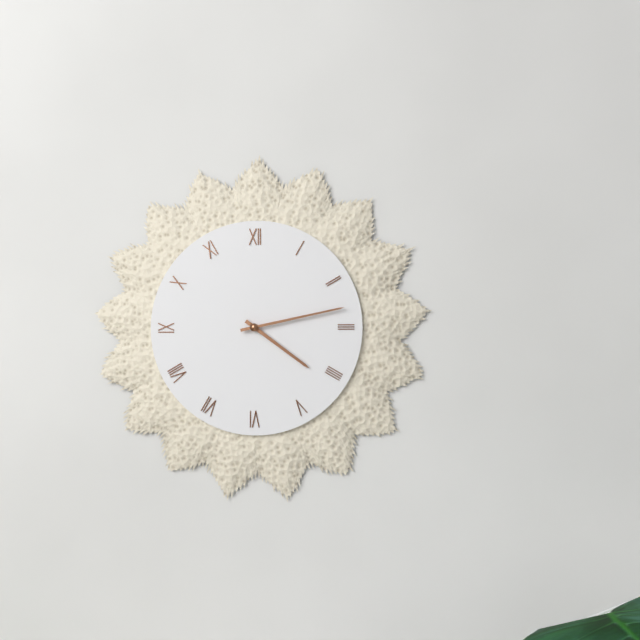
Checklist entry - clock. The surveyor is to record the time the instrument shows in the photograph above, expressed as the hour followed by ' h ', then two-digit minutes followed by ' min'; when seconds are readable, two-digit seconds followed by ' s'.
4 h 13 min
